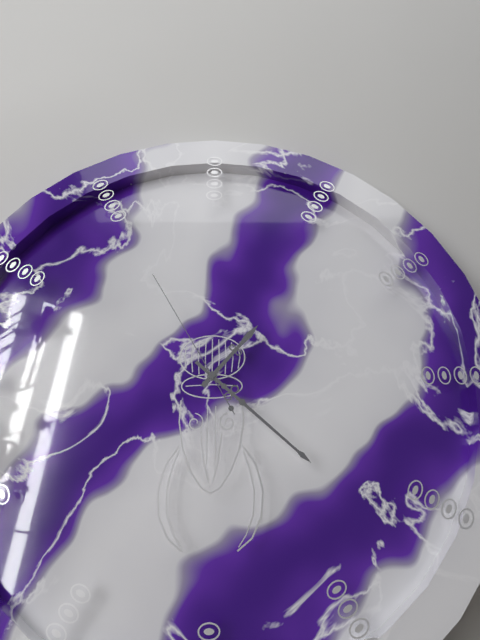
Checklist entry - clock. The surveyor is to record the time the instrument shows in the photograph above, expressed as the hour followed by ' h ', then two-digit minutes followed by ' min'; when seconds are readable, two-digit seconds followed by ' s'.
1 h 22 min 55 s
